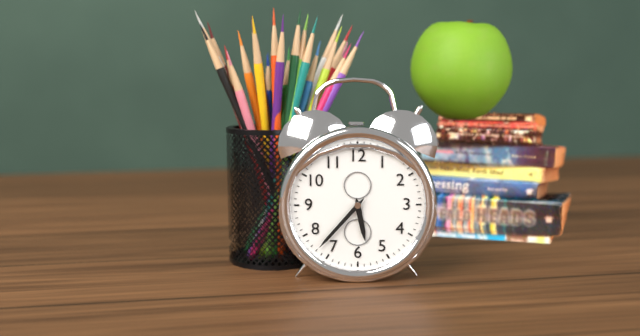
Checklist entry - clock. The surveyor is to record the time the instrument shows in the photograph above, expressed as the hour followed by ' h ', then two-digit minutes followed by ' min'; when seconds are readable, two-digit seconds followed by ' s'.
5 h 37 min
